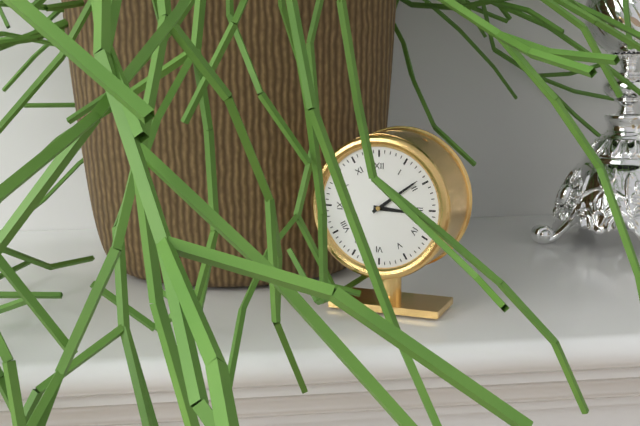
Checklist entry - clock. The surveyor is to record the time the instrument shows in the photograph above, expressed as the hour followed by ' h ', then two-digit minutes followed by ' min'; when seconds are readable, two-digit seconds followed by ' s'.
3 h 09 min
